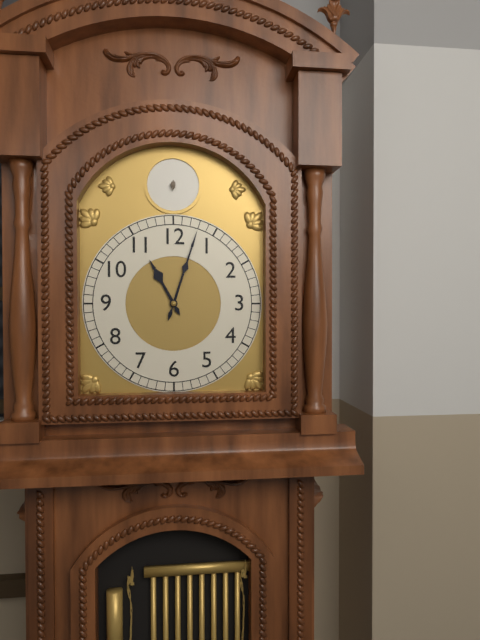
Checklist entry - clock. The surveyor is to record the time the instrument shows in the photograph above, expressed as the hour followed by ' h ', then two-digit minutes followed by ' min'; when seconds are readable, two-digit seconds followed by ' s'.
11 h 03 min
